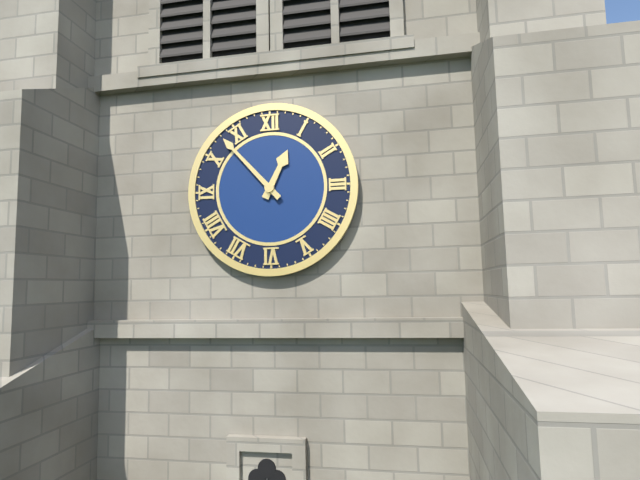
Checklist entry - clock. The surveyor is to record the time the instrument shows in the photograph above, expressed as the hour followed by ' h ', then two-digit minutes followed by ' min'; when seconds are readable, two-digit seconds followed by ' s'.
12 h 53 min
